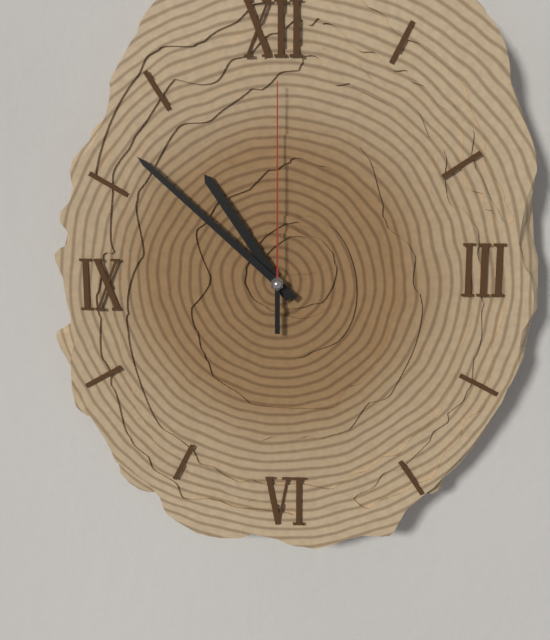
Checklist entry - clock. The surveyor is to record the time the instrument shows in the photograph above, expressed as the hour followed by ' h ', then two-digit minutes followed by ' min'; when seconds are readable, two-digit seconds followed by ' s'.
10 h 52 min 00 s
